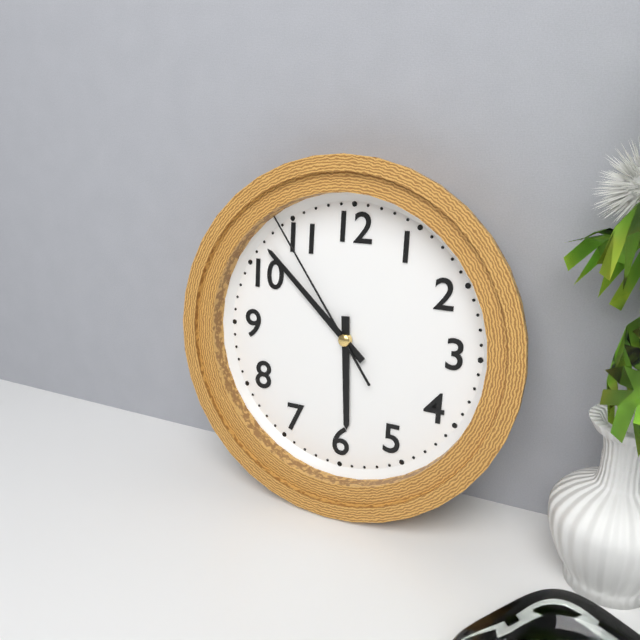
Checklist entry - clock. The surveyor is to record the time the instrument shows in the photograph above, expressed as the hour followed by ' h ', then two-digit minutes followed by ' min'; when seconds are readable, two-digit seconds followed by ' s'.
5 h 52 min 54 s
